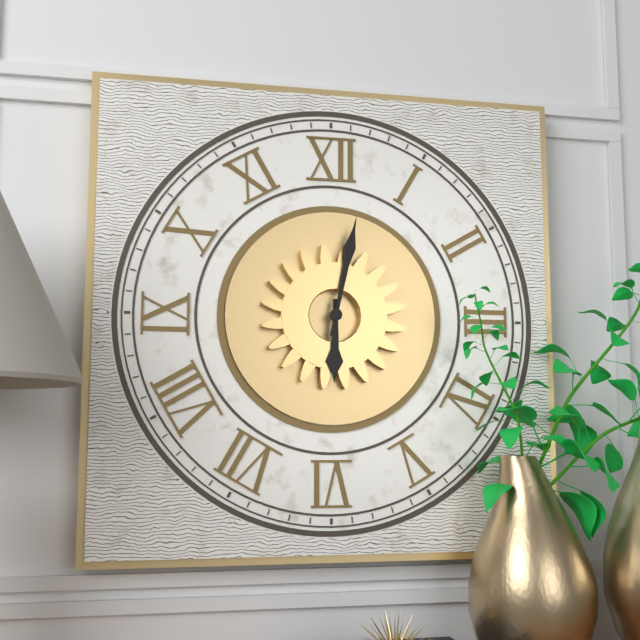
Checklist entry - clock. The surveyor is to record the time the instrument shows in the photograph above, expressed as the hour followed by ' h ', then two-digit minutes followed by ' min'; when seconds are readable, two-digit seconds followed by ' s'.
6 h 02 min
